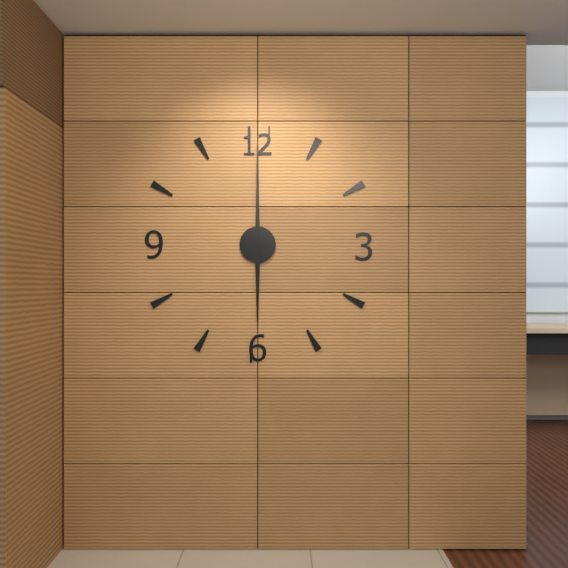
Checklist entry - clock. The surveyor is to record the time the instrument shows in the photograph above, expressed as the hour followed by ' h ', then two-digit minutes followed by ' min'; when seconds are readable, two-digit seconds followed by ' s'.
6 h 00 min
